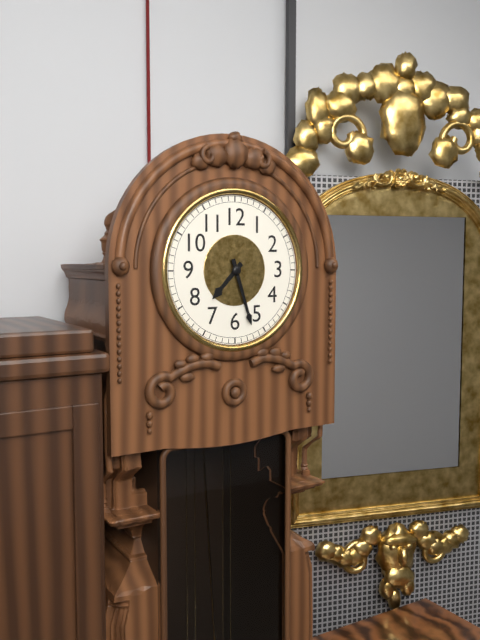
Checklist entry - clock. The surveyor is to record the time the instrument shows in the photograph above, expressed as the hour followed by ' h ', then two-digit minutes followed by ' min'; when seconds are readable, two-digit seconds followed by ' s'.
7 h 27 min
